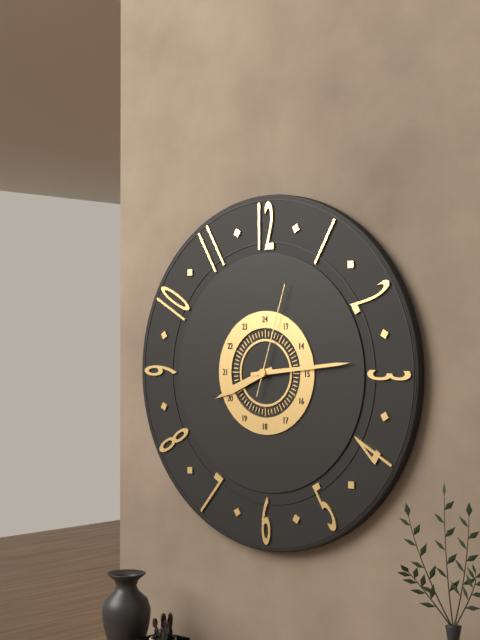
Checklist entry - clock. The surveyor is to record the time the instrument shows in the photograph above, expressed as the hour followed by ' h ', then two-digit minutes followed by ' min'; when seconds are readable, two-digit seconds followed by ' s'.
8 h 14 min 03 s
